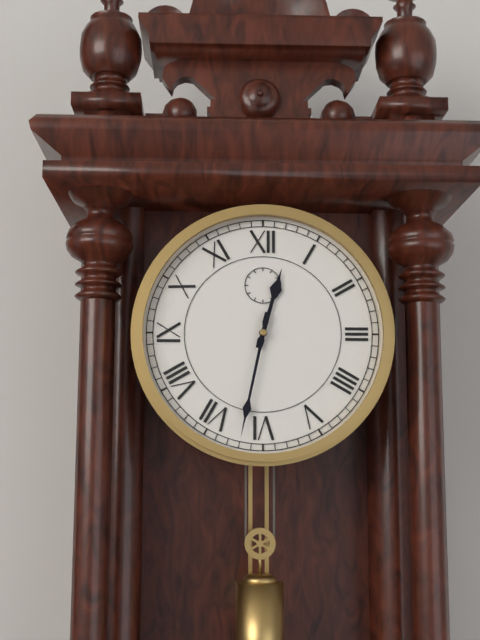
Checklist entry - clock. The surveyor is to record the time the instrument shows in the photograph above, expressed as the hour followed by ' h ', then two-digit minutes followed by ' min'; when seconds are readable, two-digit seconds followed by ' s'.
12 h 32 min
